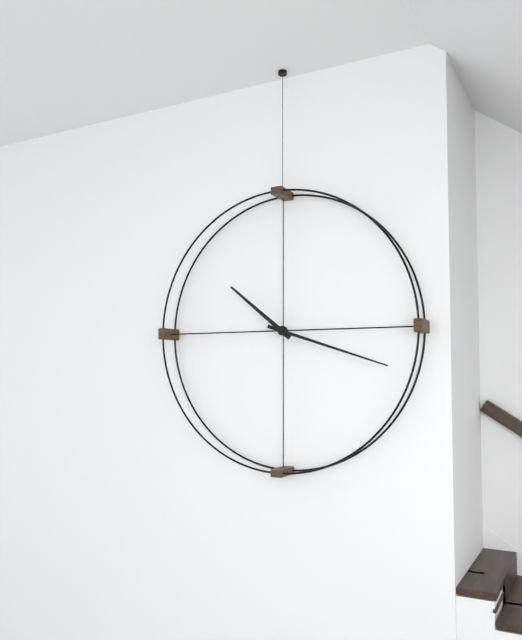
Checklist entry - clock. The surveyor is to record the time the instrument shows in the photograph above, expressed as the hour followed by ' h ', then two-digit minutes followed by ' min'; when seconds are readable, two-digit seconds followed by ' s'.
10 h 18 min
